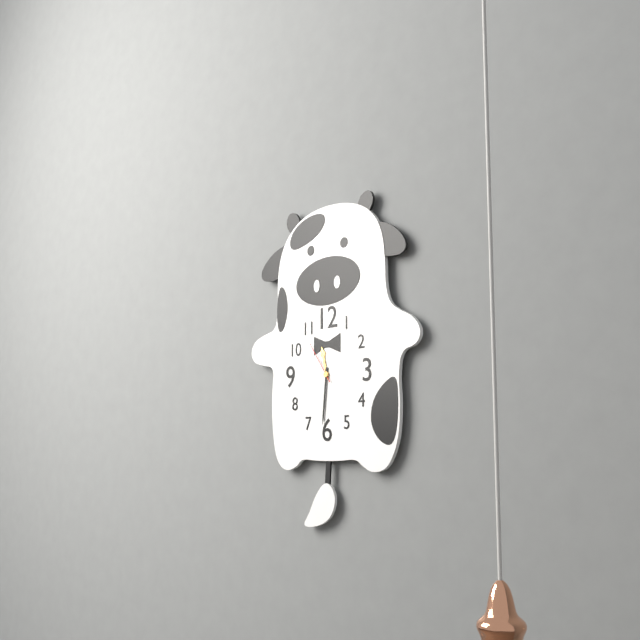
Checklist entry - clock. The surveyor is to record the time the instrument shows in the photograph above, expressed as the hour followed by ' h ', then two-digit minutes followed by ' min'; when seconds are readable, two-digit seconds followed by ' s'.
11 h 31 min
